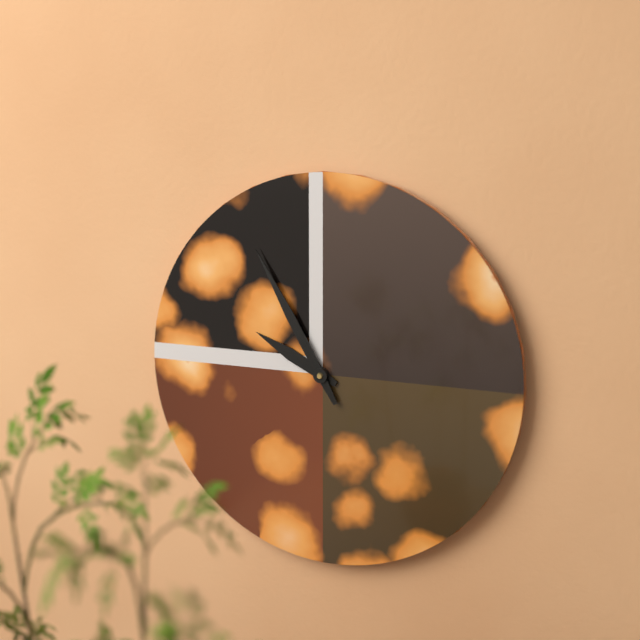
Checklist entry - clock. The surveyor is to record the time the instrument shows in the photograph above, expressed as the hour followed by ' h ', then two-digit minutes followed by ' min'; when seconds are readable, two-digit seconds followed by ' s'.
9 h 55 min
